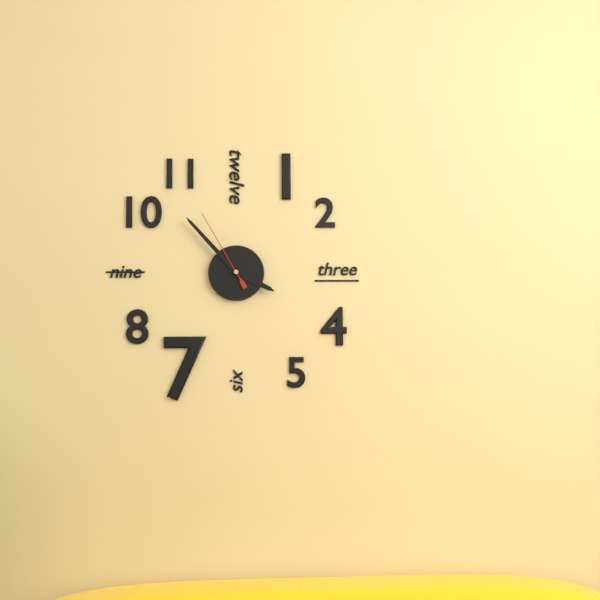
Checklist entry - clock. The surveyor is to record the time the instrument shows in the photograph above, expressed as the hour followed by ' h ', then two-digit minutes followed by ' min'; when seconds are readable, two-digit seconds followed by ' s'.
3 h 53 min 55 s
